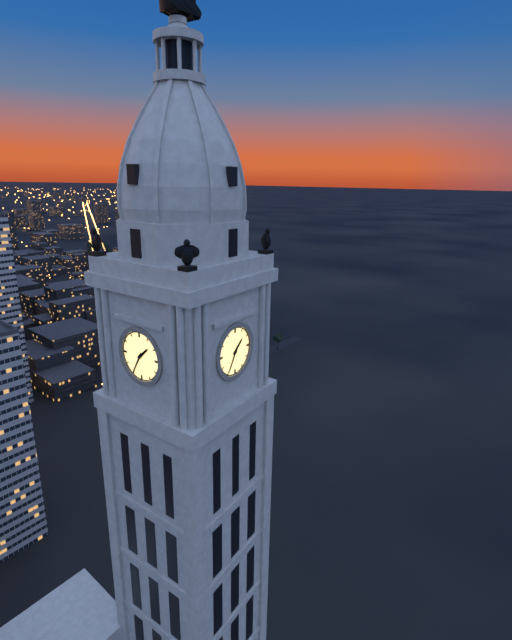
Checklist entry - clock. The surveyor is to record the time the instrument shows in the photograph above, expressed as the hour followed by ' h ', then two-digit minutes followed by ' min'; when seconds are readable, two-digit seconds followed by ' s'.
1 h 35 min
